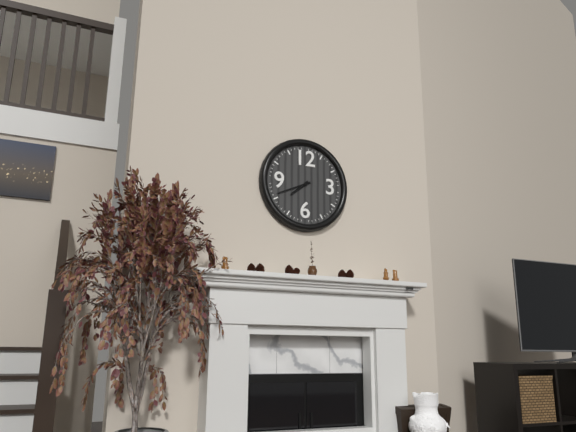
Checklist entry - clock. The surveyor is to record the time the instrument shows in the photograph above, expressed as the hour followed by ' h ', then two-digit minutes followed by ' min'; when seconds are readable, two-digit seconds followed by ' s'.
7 h 41 min
